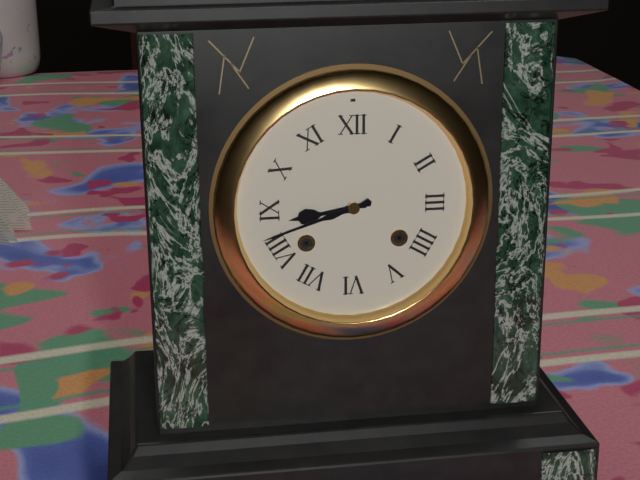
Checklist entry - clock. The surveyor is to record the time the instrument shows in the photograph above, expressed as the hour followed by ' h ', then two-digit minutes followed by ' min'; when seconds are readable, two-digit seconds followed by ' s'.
8 h 42 min
